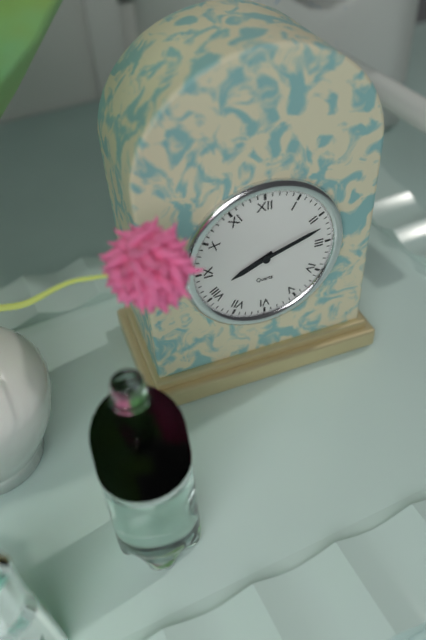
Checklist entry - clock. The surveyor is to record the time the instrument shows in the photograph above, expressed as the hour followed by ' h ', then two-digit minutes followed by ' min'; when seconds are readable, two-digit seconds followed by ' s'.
8 h 12 min
